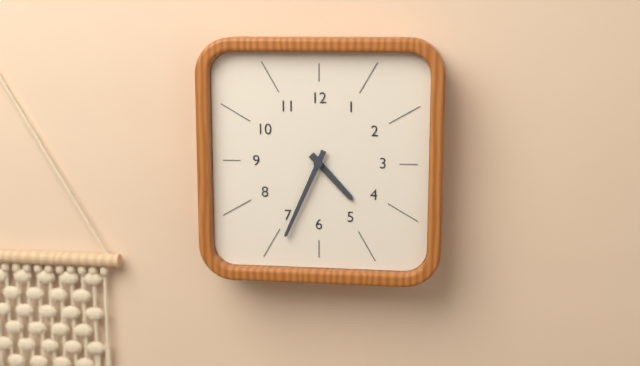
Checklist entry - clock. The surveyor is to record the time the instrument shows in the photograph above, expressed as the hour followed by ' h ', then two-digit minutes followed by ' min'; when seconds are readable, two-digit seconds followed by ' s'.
4 h 34 min
